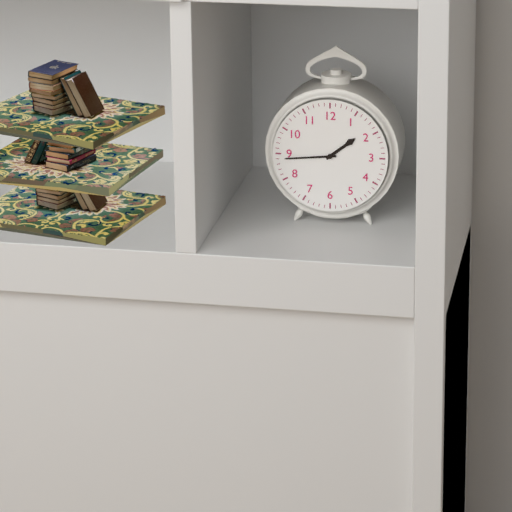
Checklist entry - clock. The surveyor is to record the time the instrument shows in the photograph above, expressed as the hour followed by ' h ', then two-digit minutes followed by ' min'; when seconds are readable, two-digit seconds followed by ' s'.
1 h 44 min
